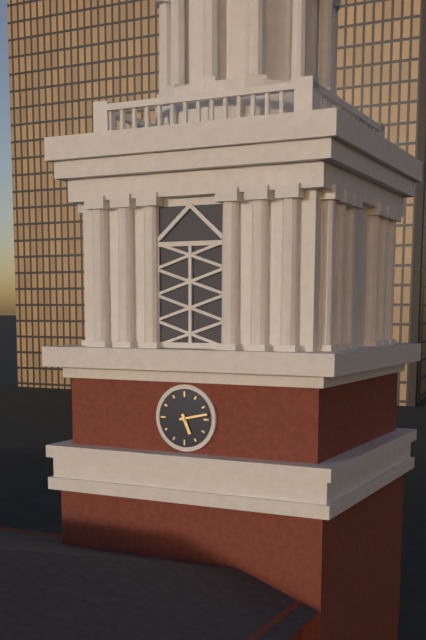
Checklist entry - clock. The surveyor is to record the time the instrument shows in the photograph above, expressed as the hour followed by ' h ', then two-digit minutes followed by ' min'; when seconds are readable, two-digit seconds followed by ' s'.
5 h 13 min
